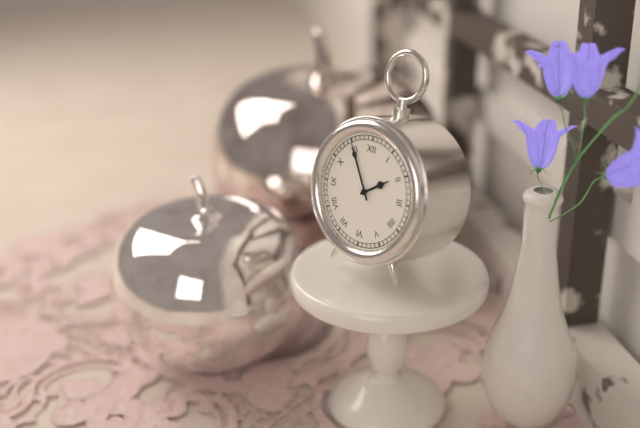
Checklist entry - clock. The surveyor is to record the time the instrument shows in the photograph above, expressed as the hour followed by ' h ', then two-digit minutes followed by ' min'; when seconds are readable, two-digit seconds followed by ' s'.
1 h 55 min
